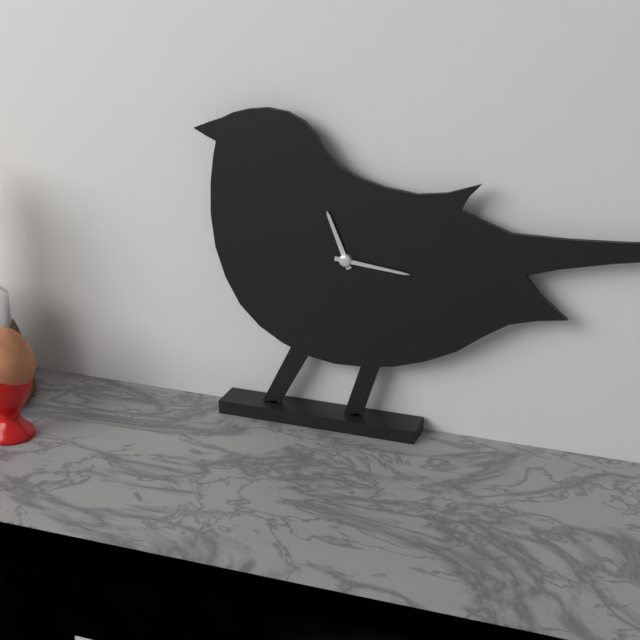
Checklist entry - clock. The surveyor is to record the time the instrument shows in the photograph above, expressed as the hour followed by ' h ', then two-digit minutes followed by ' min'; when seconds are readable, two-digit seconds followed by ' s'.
11 h 16 min
